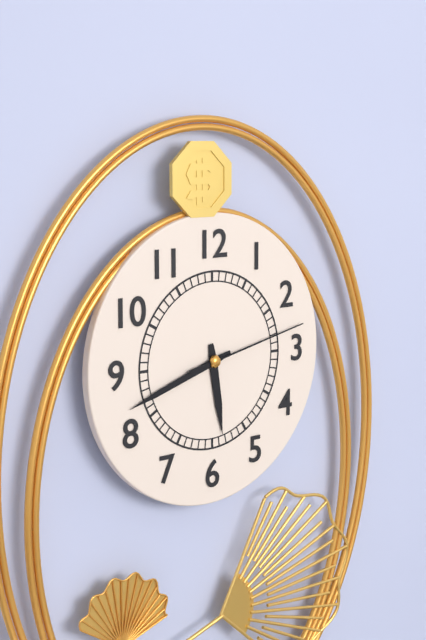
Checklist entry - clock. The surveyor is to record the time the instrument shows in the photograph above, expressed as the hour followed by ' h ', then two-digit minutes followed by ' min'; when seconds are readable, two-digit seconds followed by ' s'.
5 h 42 min 13 s
